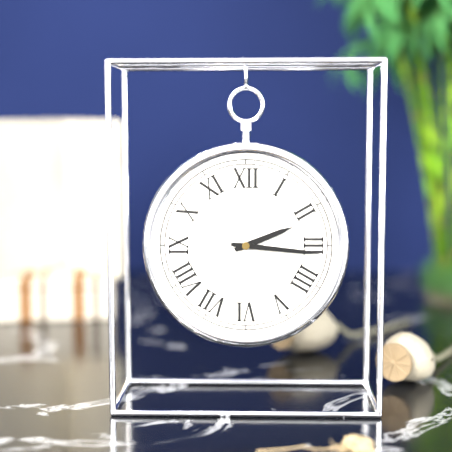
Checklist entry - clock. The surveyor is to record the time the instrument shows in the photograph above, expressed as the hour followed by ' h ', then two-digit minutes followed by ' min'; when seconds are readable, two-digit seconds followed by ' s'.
2 h 16 min
